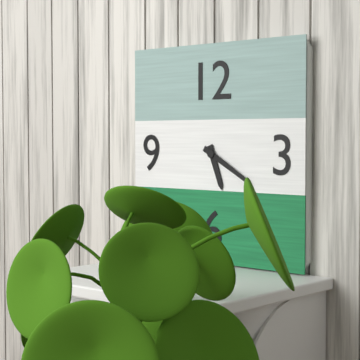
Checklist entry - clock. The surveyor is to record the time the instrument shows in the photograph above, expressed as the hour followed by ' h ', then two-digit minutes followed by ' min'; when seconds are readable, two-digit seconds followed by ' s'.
5 h 20 min
